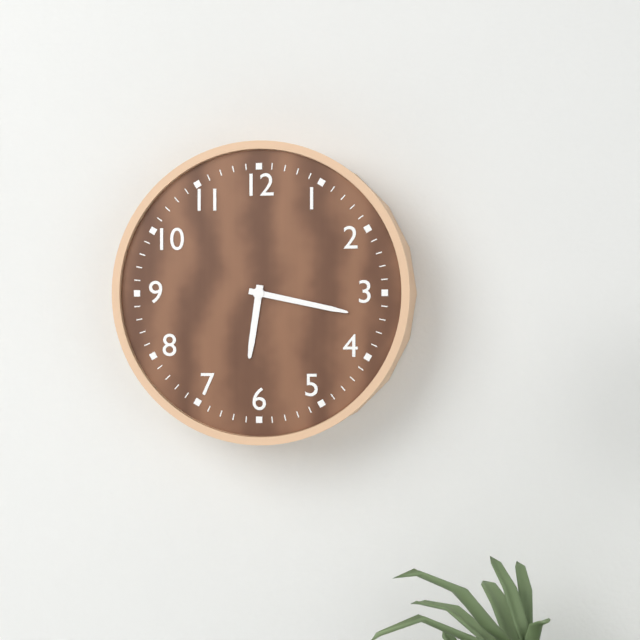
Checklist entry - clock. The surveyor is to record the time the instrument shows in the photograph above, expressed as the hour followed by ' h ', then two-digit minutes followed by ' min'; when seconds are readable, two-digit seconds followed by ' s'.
6 h 17 min
